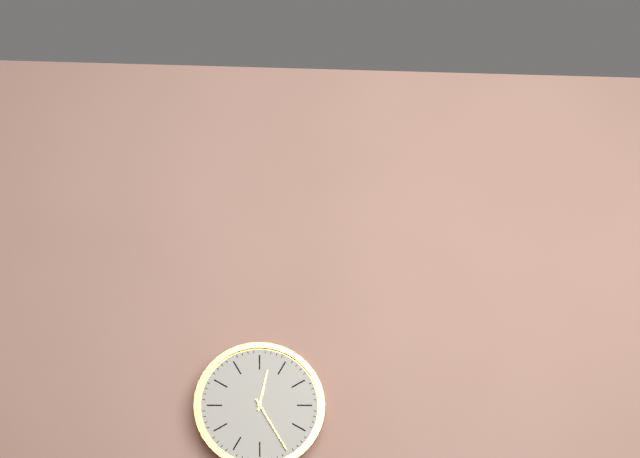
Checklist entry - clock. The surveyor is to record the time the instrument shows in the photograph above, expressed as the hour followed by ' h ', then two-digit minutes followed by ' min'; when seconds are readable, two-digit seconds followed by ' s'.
12 h 25 min
